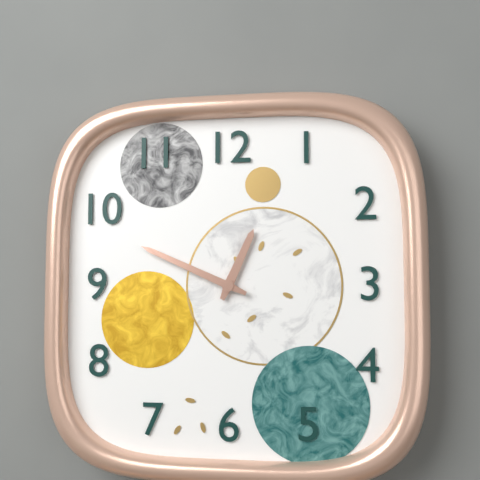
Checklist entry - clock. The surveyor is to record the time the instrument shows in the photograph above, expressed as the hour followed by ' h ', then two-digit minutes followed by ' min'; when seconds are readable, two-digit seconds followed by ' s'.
12 h 49 min
